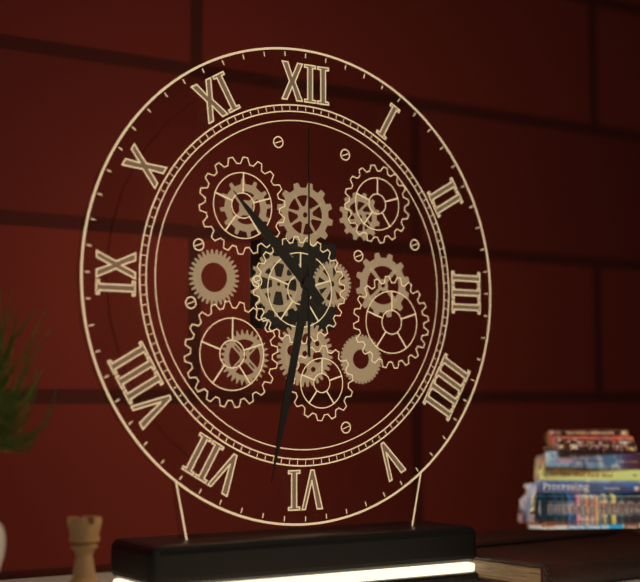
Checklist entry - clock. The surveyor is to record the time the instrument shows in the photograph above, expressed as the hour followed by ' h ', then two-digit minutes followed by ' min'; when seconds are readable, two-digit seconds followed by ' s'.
10 h 32 min 00 s
